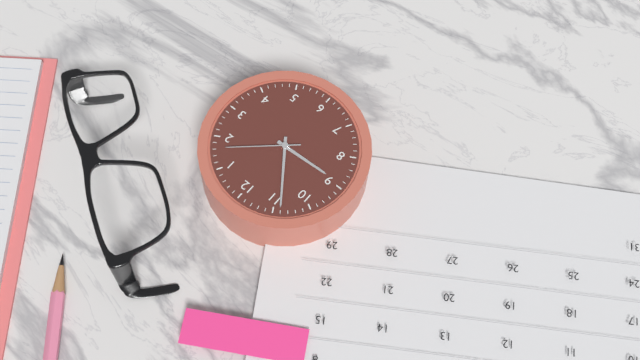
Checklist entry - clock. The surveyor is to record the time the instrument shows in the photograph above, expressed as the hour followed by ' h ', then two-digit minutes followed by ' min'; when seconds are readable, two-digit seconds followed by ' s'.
8 h 54 min 08 s
